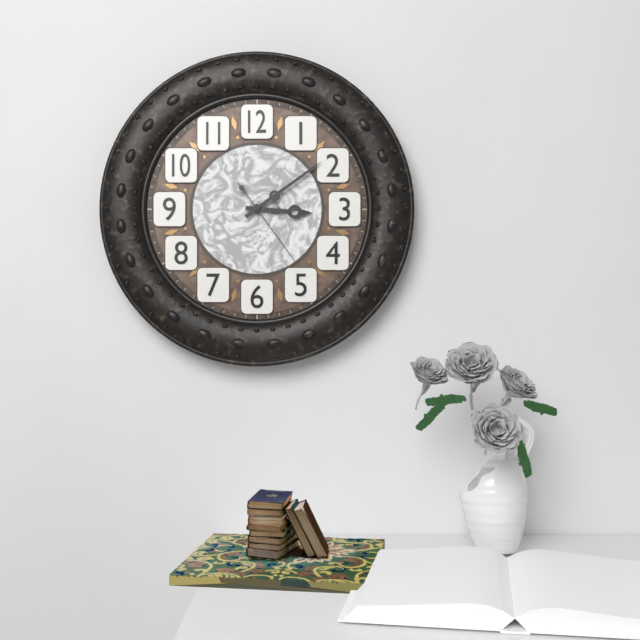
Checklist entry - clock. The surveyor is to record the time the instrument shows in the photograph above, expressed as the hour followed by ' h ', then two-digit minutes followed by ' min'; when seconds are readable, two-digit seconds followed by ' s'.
3 h 09 min 24 s
